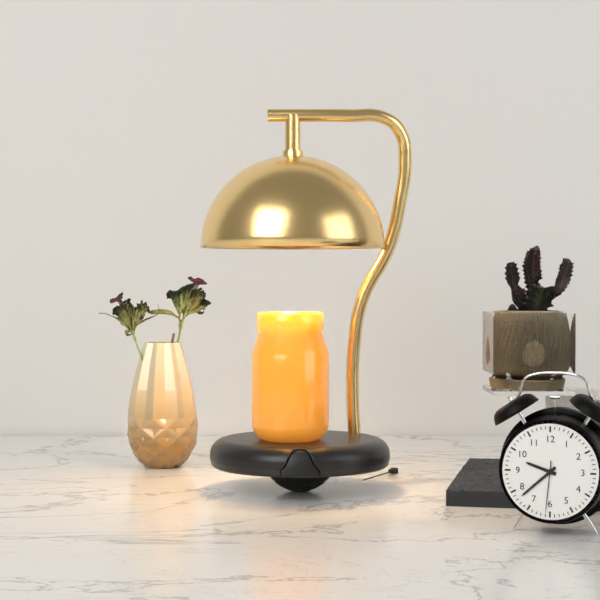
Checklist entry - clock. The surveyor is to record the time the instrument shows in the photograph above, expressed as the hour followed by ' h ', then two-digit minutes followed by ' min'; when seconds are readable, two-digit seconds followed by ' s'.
9 h 38 min 31 s
